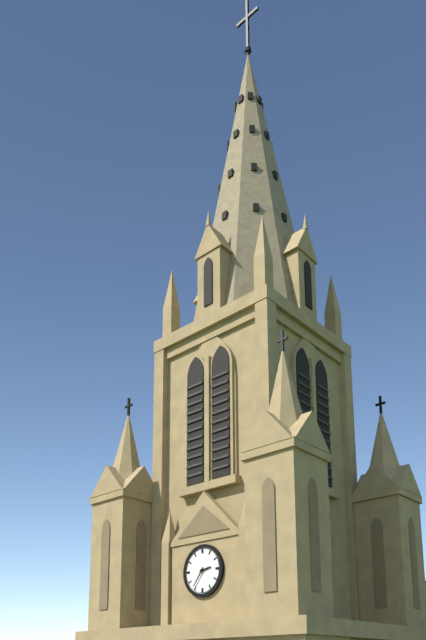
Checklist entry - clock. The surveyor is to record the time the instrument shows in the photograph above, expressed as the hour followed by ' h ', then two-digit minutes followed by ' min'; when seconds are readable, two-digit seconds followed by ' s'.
2 h 36 min
